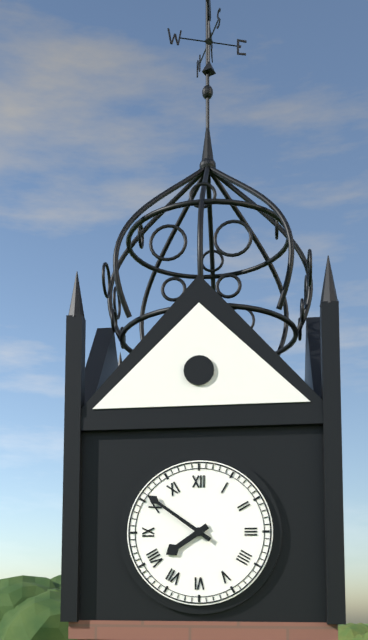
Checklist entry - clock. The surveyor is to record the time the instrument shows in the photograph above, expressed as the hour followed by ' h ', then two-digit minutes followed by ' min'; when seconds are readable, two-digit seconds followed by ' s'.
7 h 51 min
